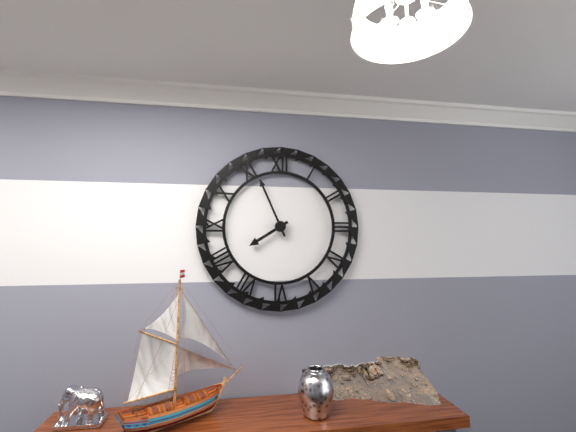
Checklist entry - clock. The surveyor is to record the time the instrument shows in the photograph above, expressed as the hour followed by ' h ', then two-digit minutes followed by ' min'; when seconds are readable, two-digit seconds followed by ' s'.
7 h 56 min
